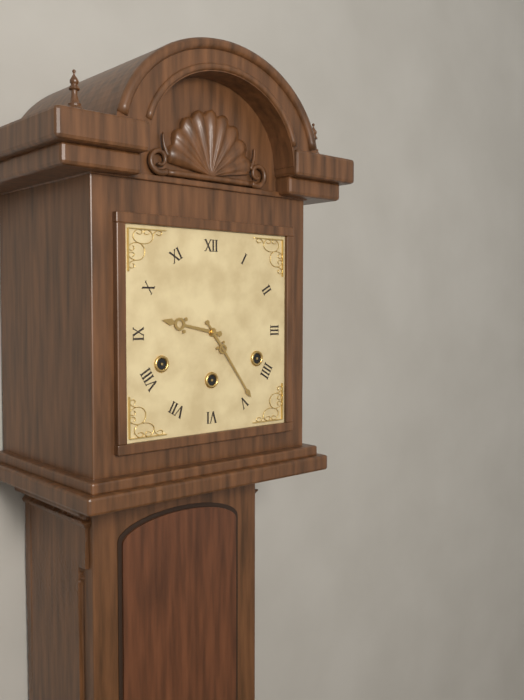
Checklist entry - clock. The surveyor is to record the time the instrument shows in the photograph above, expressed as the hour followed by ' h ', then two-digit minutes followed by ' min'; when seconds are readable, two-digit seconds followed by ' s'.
9 h 24 min
